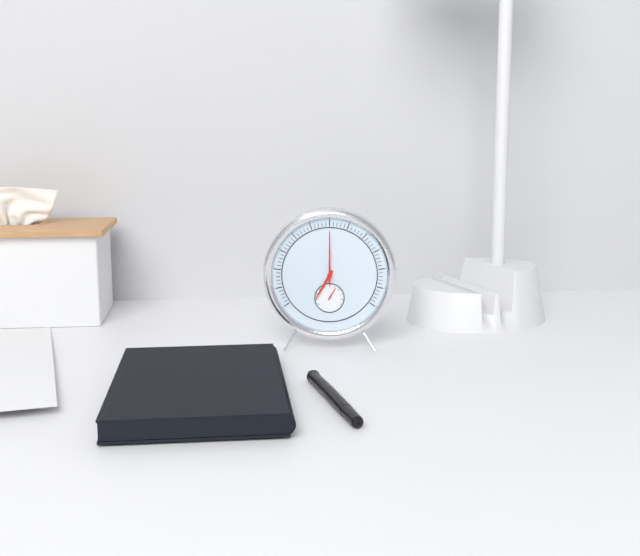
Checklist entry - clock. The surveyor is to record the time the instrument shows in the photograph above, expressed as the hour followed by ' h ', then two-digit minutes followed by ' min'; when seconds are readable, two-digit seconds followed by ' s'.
7 h 00 min
